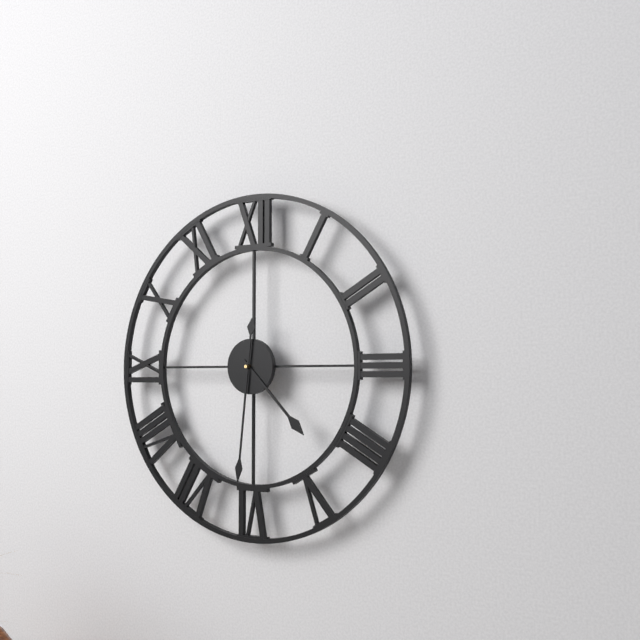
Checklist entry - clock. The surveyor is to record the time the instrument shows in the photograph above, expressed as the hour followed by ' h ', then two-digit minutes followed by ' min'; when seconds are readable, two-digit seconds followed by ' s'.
4 h 31 min
